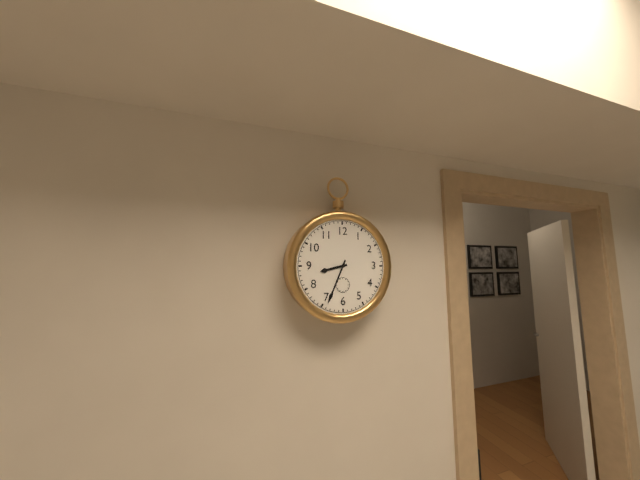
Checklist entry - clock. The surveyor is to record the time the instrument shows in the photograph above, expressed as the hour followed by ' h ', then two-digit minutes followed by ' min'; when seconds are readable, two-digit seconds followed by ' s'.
8 h 34 min
